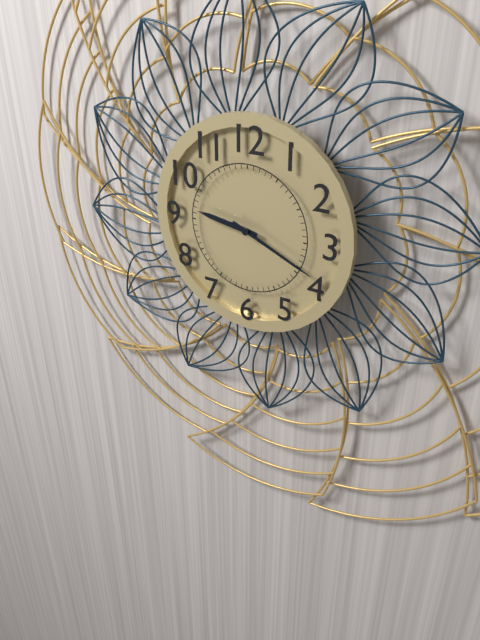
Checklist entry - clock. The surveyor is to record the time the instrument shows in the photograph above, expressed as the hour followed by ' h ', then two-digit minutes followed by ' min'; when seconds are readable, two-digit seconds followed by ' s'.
9 h 19 min
